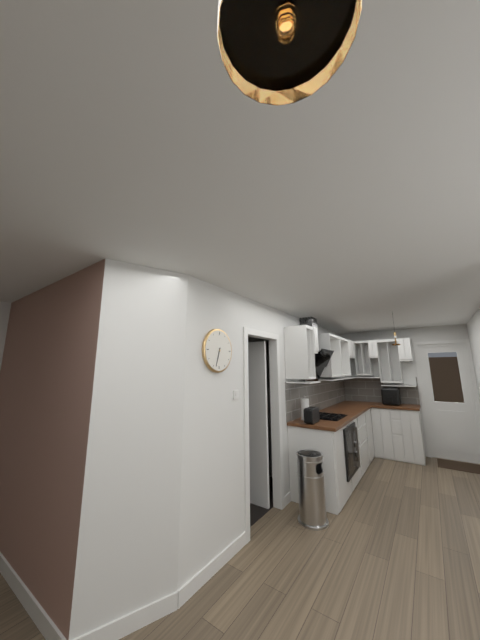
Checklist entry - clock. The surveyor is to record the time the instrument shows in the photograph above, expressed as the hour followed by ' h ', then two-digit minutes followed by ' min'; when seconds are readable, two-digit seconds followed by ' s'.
6 h 33 min
